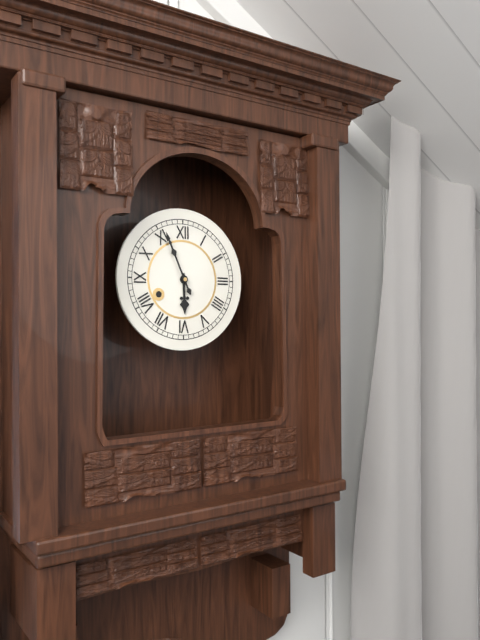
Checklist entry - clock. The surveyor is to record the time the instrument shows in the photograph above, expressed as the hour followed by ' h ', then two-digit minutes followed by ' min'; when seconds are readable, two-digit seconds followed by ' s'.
5 h 56 min
